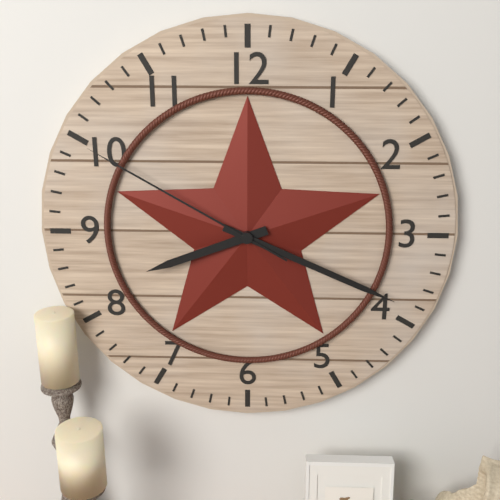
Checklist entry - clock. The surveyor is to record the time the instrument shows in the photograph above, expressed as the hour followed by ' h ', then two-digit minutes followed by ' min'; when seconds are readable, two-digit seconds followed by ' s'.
8 h 19 min 50 s
